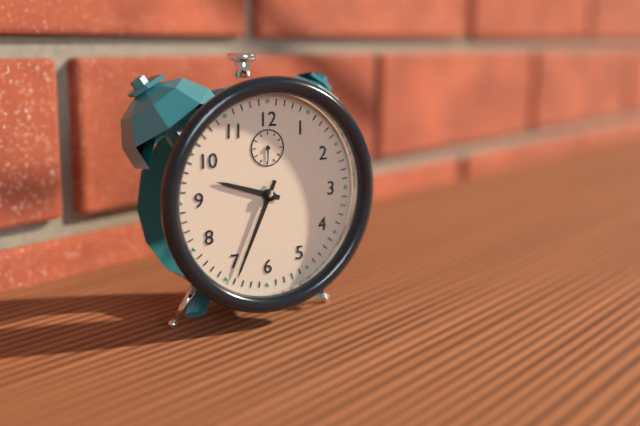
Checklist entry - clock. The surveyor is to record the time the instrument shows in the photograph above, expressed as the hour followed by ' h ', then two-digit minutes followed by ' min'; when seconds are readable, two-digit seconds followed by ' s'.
9 h 34 min
